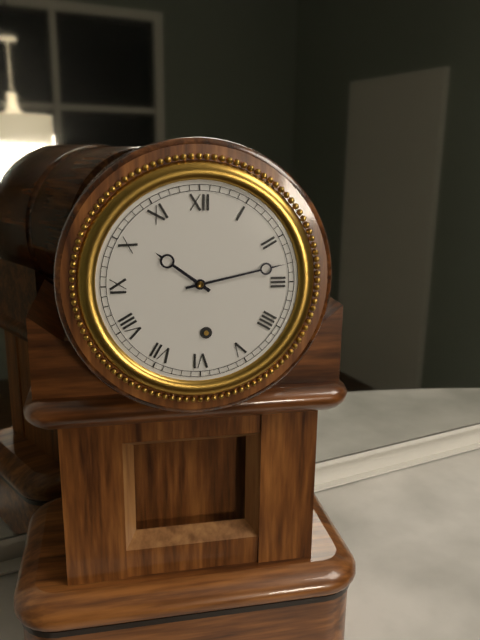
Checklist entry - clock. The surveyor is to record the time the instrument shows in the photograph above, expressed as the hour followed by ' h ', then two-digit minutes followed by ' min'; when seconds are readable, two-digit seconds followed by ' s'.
10 h 13 min
